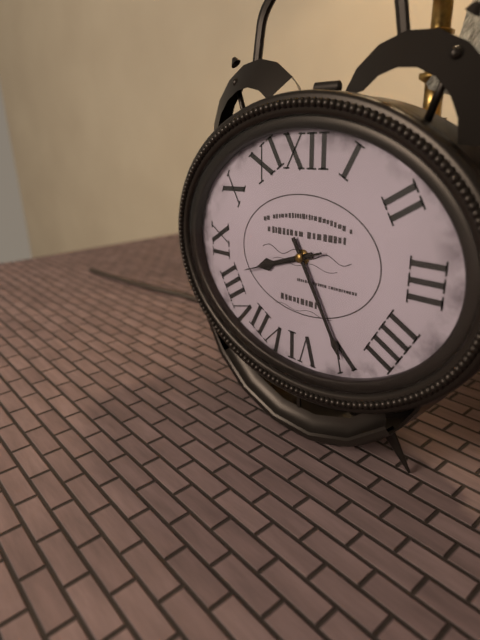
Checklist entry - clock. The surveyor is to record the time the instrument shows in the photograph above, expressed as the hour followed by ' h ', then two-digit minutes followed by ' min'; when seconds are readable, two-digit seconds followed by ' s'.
8 h 25 min 42 s
